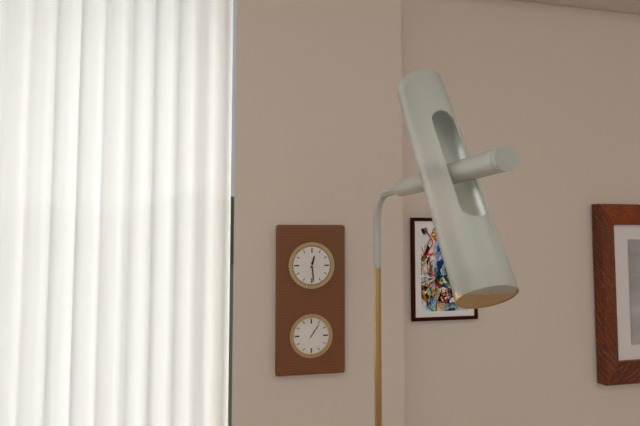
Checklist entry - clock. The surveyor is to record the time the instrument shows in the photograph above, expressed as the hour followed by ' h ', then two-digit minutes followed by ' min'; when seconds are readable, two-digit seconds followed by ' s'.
12 h 29 min
